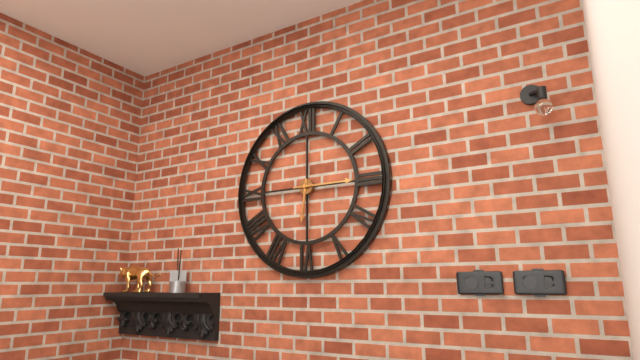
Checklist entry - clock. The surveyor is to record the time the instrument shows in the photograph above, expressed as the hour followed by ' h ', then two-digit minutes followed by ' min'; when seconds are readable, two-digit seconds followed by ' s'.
6 h 15 min
